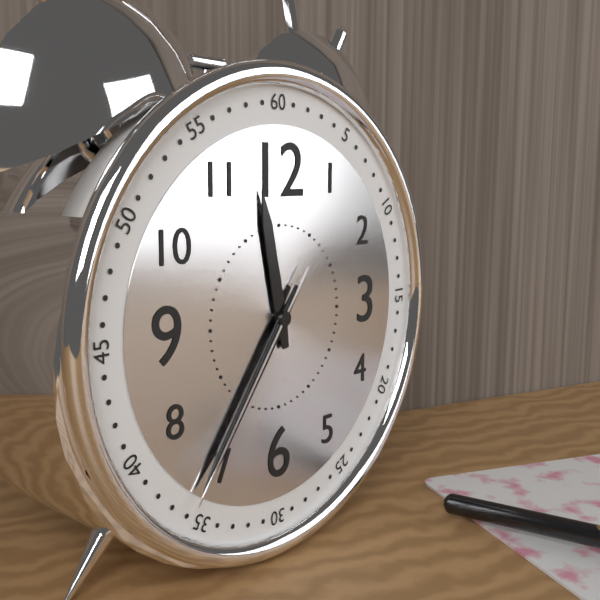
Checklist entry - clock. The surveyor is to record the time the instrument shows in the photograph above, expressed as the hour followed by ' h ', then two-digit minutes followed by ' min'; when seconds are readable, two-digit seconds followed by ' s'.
11 h 36 min 36 s
